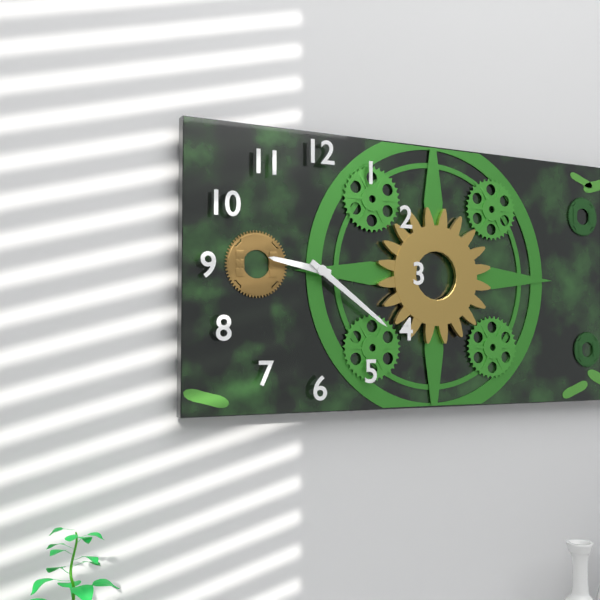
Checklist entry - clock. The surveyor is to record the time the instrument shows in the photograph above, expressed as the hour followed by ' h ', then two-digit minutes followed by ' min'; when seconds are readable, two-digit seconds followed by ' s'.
9 h 21 min
